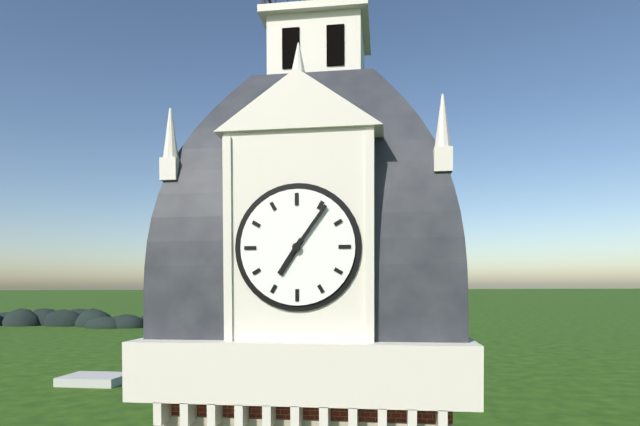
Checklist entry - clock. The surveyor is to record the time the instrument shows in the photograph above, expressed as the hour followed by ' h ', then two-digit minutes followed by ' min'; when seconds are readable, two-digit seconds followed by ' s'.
7 h 06 min
